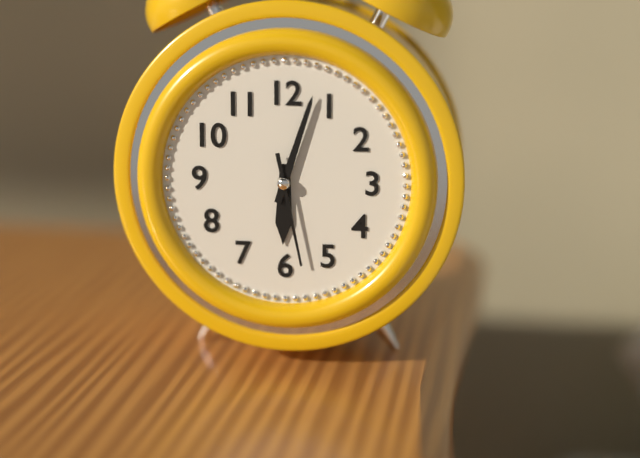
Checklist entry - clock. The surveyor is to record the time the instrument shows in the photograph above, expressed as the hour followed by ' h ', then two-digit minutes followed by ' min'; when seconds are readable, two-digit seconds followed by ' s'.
6 h 03 min 28 s
